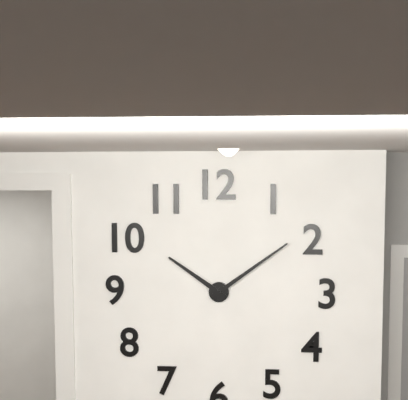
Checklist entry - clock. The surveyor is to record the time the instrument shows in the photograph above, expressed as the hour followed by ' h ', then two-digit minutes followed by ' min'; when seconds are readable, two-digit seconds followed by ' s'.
10 h 09 min
